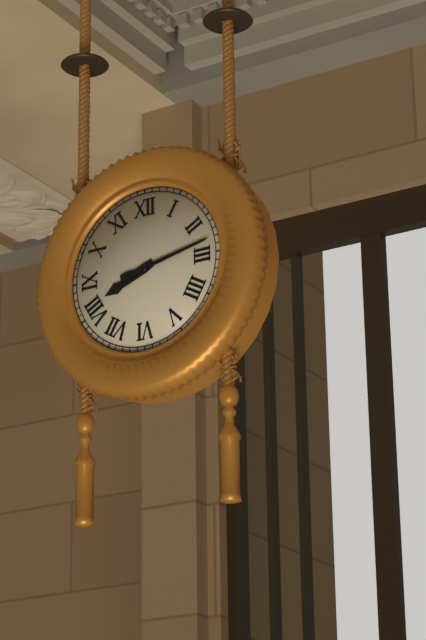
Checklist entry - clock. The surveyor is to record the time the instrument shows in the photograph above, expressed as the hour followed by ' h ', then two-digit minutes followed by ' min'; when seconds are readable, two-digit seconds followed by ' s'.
8 h 13 min
